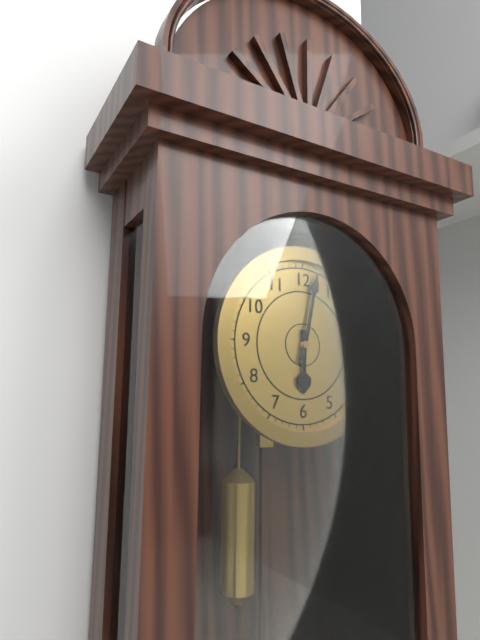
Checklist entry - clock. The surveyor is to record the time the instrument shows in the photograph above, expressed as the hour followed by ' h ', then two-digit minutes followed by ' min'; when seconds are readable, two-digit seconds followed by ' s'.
6 h 02 min
